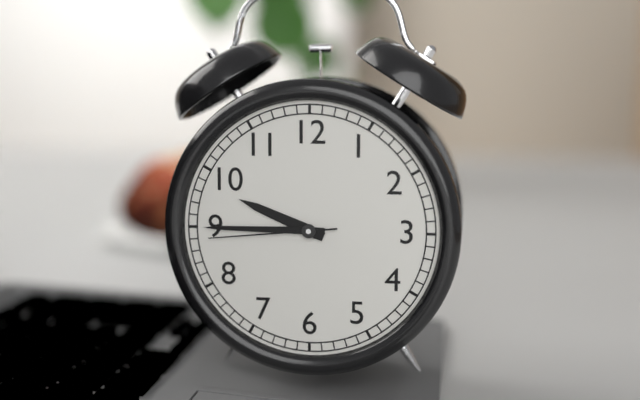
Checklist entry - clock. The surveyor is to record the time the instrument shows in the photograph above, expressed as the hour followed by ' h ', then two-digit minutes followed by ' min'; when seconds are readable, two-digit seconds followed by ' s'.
9 h 45 min 44 s
